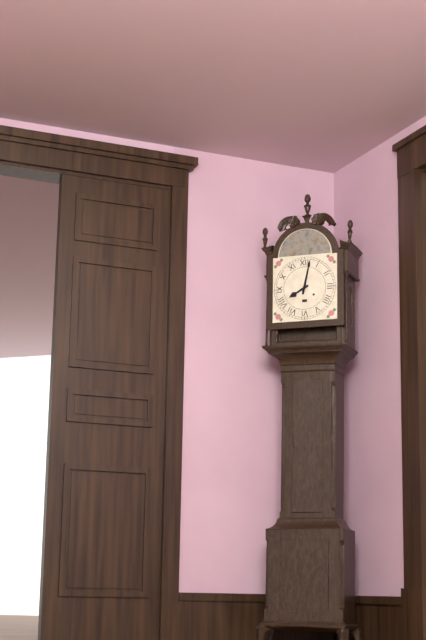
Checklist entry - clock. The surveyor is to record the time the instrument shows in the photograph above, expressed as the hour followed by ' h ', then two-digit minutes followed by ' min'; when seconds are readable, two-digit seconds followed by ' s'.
8 h 02 min
